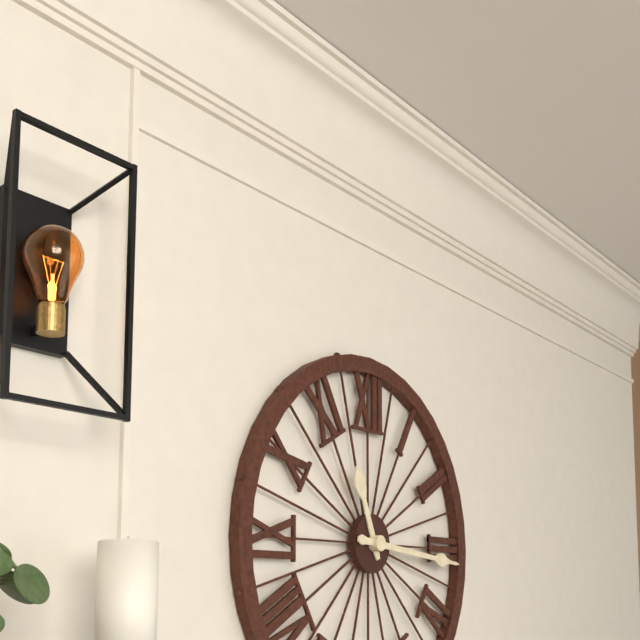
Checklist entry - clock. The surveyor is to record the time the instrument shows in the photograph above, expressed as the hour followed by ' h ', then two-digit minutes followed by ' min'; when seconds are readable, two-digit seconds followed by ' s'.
11 h 16 min
